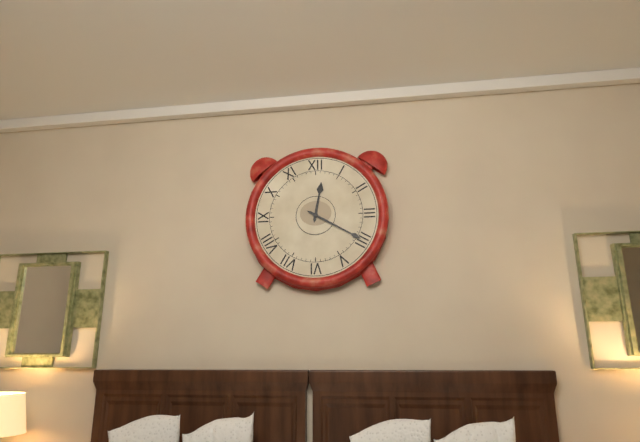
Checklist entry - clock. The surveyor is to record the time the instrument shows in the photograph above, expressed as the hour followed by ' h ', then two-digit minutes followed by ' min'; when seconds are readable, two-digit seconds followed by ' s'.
12 h 20 min
